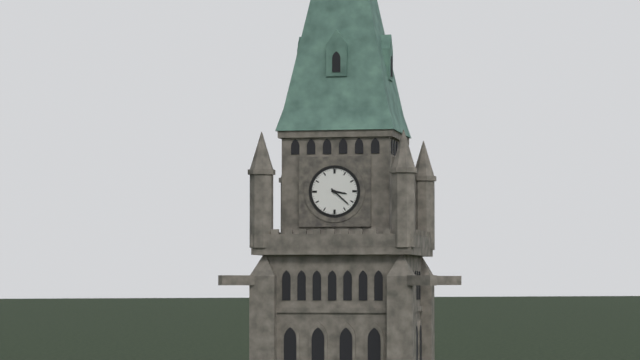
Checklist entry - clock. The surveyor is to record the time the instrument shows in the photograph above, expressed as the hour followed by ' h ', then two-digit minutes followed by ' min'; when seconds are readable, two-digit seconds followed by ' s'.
3 h 22 min
